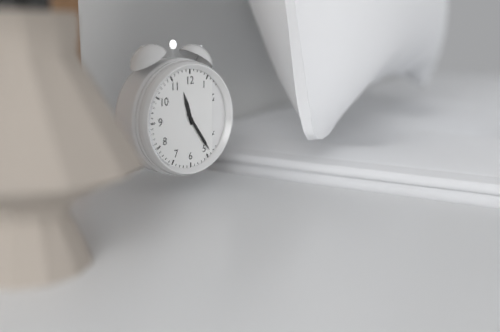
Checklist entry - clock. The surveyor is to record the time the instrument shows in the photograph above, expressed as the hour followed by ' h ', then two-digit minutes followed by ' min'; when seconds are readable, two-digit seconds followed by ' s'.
11 h 24 min
